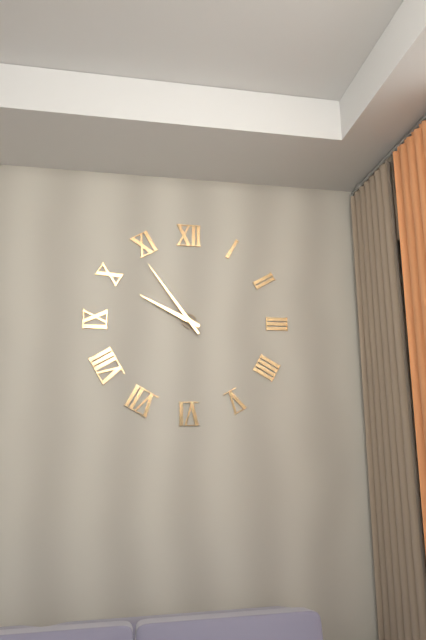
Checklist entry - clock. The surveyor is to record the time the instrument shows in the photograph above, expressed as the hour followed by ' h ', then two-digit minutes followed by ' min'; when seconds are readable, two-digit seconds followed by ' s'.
9 h 54 min
